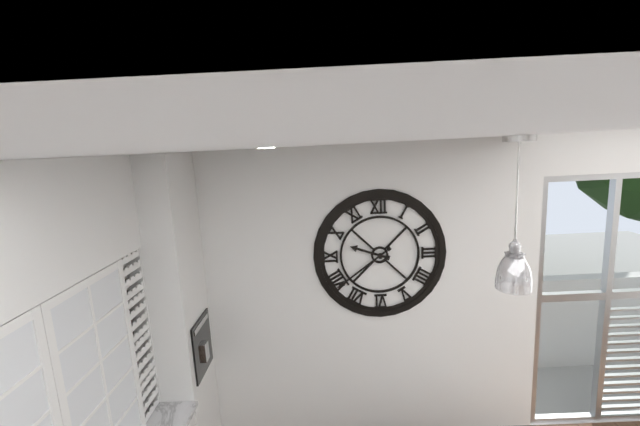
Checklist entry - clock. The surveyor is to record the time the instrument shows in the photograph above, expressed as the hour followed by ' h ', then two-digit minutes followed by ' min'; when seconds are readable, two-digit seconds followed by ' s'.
9 h 39 min
